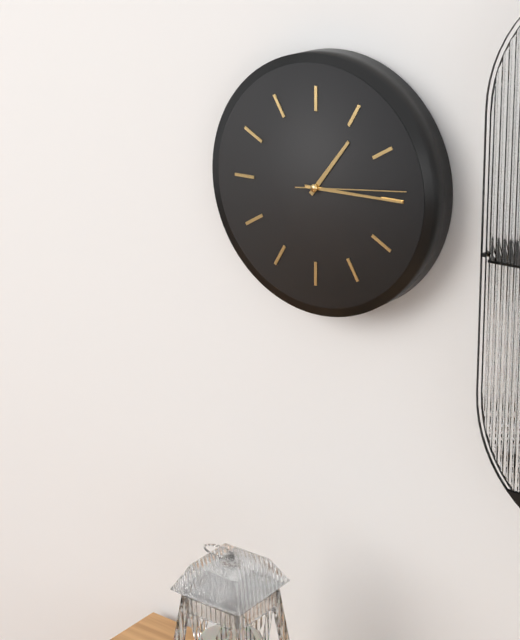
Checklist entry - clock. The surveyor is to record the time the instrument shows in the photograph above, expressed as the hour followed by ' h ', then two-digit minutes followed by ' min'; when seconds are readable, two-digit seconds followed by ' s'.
1 h 15 min 14 s
